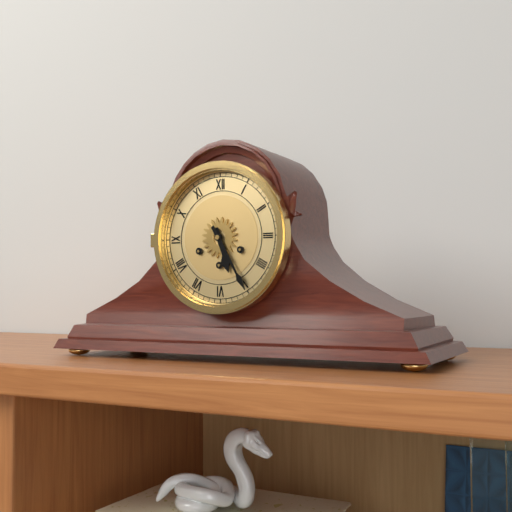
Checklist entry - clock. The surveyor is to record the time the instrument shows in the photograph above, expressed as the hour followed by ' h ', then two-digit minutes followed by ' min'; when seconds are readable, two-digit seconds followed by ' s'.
5 h 25 min
